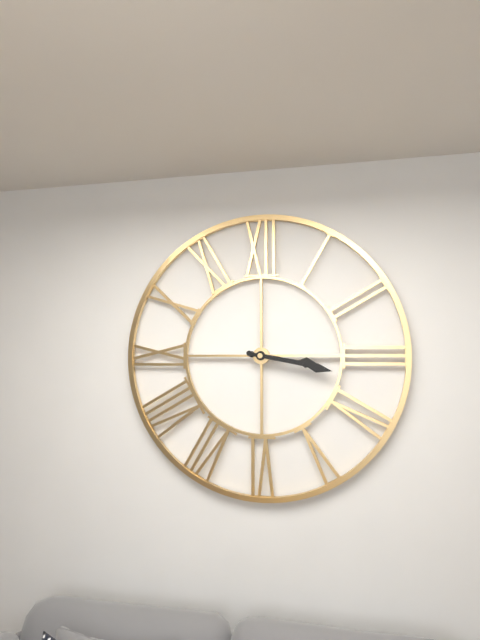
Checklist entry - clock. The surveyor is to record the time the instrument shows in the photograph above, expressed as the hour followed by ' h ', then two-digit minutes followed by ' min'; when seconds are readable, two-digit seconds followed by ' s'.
3 h 17 min
